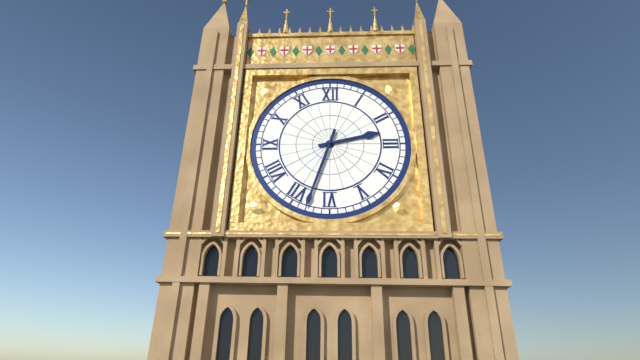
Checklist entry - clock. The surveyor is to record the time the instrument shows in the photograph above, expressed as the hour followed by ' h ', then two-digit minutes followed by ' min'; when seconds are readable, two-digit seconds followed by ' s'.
2 h 33 min
